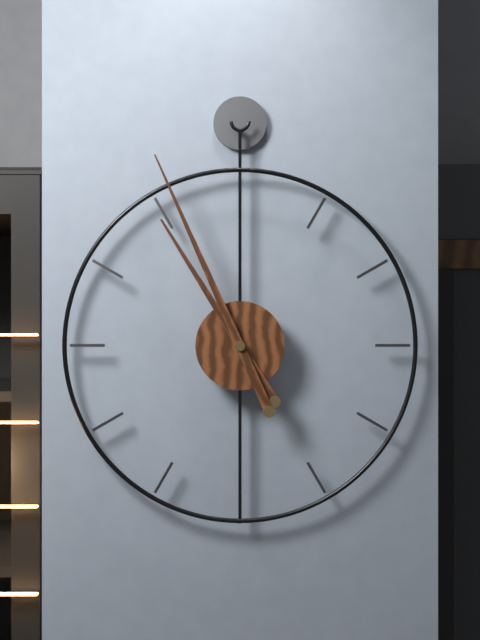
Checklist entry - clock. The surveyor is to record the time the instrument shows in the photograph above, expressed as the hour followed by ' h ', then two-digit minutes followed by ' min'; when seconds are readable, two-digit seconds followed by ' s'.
10 h 56 min
